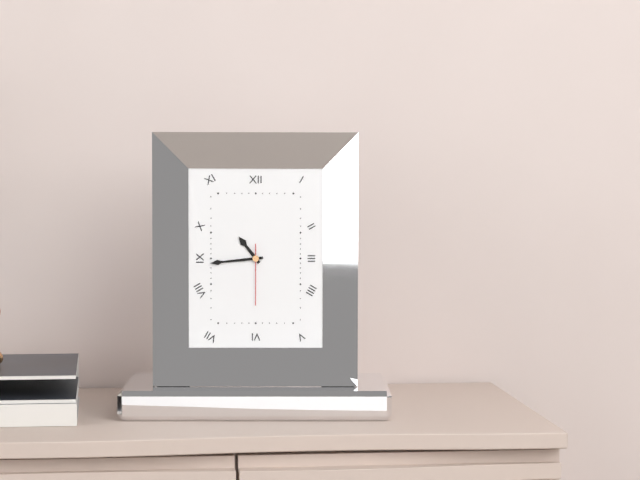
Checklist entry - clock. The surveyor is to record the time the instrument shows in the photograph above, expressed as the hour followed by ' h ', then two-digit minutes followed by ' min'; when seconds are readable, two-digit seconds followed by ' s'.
10 h 44 min 30 s
